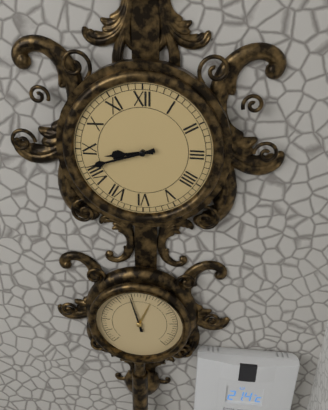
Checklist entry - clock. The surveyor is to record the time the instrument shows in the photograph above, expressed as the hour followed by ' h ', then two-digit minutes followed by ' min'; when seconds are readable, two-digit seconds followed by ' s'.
8 h 42 min
